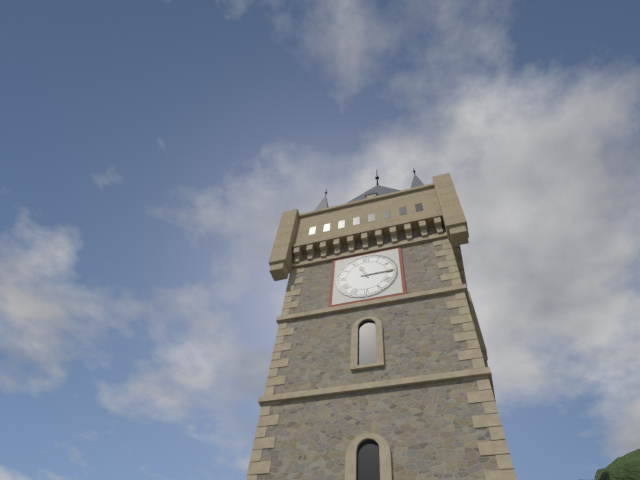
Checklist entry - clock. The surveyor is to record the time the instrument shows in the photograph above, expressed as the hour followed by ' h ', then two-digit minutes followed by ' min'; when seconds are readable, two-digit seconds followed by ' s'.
11 h 15 min
